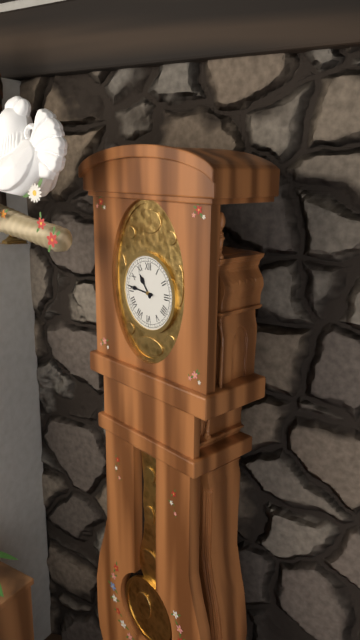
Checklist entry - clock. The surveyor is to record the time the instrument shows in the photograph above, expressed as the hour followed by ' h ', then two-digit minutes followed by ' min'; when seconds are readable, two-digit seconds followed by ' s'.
10 h 46 min
